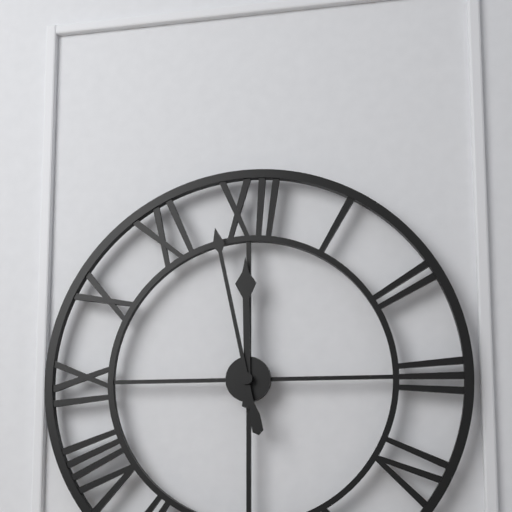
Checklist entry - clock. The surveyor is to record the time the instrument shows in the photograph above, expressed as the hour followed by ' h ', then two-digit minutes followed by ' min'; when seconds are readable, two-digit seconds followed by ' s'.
11 h 58 min
